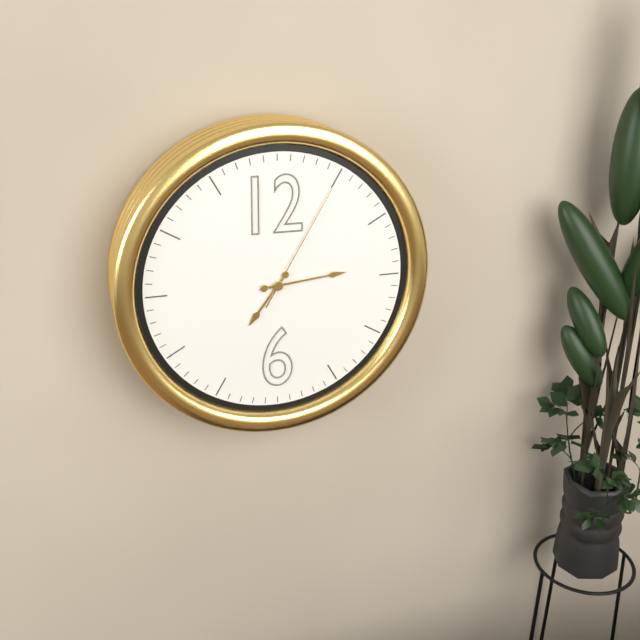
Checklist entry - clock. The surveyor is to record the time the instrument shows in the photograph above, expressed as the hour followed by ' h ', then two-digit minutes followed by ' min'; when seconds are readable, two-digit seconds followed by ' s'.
7 h 14 min 05 s
